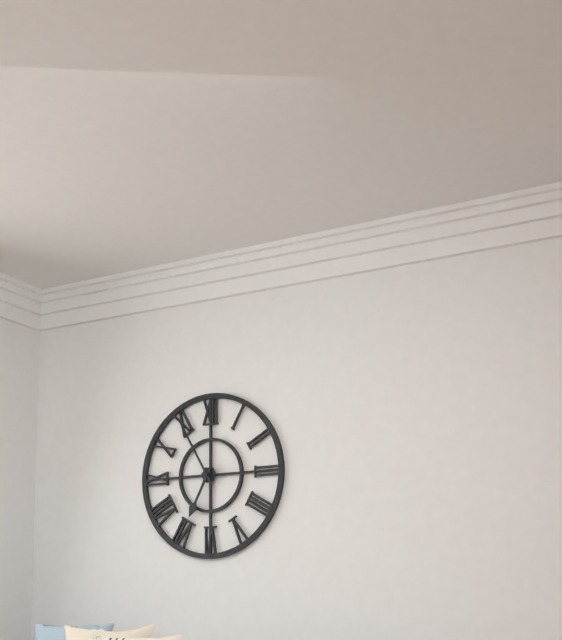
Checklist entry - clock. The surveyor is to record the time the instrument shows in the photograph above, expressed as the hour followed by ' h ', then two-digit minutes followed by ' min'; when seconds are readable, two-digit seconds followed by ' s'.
6 h 55 min
